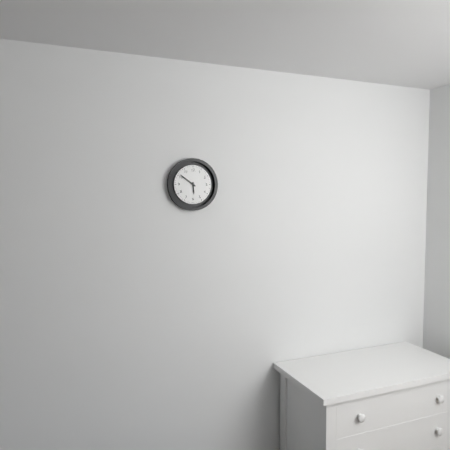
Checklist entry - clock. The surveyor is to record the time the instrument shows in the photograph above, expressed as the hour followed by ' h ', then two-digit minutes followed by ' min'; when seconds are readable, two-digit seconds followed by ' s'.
5 h 51 min
